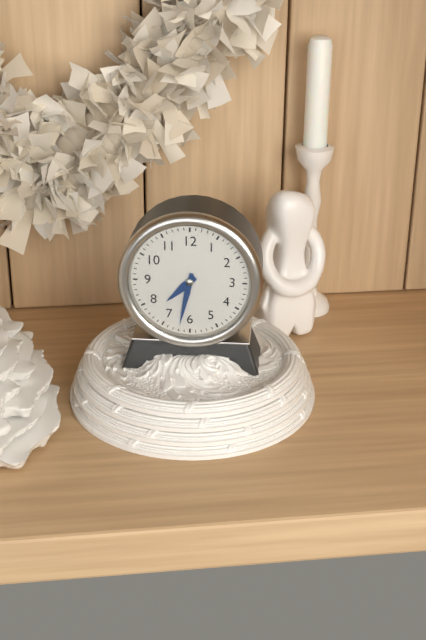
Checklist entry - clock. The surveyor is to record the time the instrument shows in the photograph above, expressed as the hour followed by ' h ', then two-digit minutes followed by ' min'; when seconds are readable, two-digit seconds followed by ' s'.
7 h 32 min
